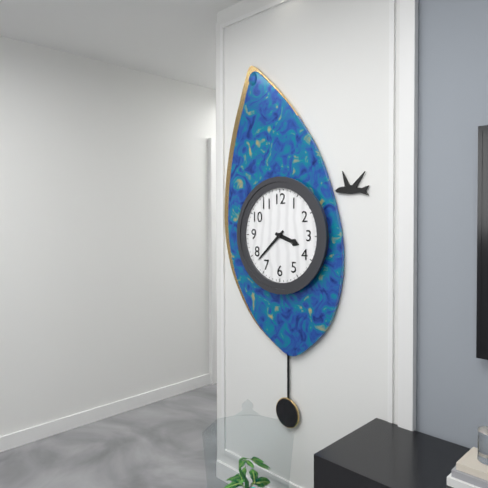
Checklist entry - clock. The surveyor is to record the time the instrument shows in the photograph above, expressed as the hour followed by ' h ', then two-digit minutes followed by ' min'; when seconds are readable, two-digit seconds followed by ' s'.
3 h 38 min
